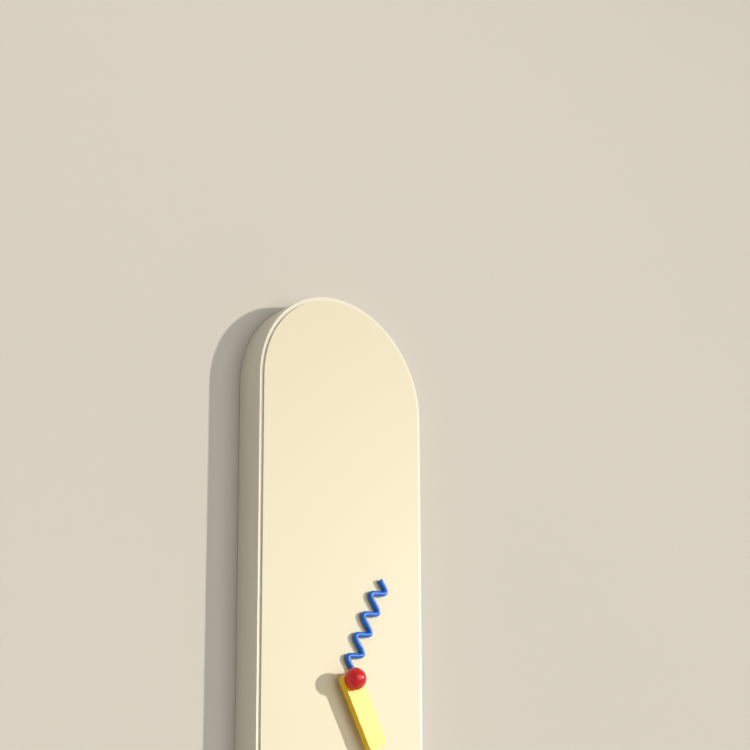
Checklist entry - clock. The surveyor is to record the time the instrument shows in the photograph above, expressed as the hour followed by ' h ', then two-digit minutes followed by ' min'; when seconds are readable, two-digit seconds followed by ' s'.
5 h 04 min
